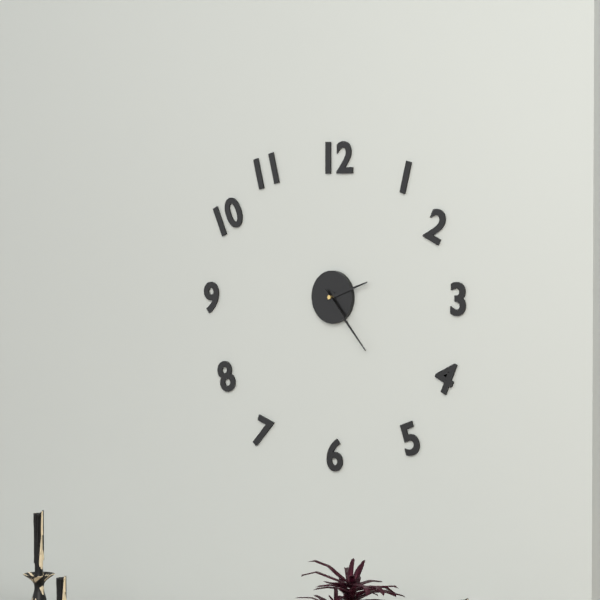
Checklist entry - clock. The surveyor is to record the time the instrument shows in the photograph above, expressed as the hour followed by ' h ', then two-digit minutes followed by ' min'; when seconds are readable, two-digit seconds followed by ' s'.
2 h 23 min
